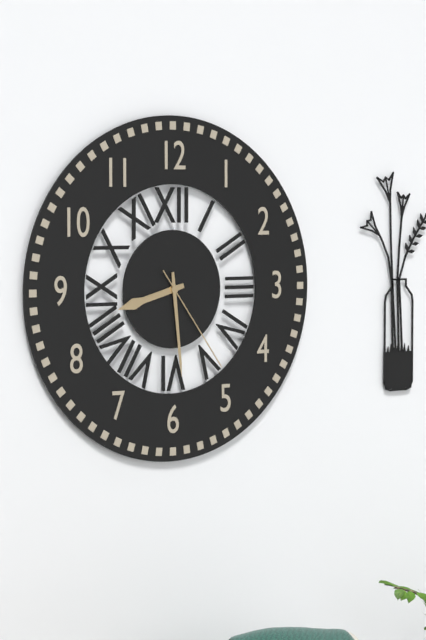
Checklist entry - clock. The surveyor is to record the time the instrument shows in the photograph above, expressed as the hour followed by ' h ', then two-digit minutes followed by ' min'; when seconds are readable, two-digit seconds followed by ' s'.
8 h 29 min 24 s
